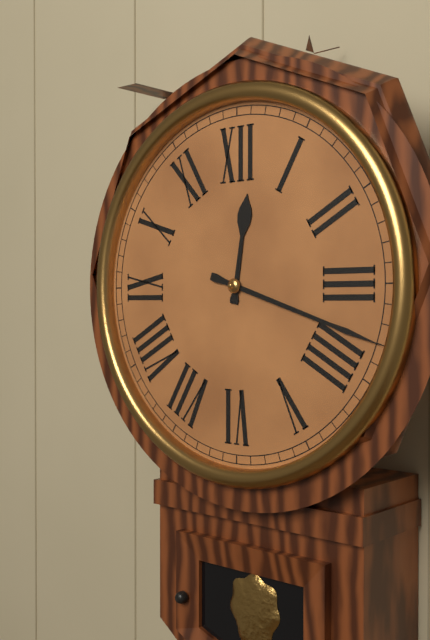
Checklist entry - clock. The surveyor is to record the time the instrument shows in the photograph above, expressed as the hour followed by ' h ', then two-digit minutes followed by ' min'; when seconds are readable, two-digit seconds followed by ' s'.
12 h 18 min
